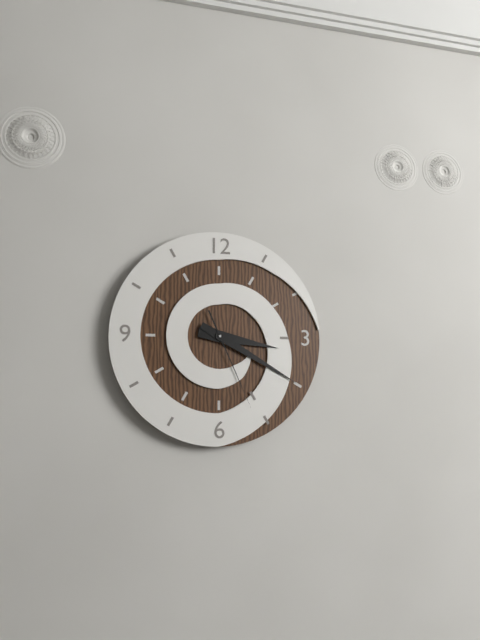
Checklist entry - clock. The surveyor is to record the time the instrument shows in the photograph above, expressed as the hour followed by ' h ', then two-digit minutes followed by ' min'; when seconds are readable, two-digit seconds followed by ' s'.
3 h 20 min 26 s
